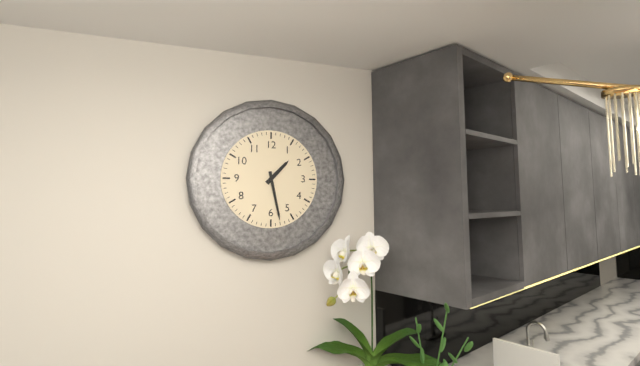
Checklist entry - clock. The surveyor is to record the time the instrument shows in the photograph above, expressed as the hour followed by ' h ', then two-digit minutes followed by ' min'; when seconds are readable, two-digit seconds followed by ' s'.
1 h 28 min
